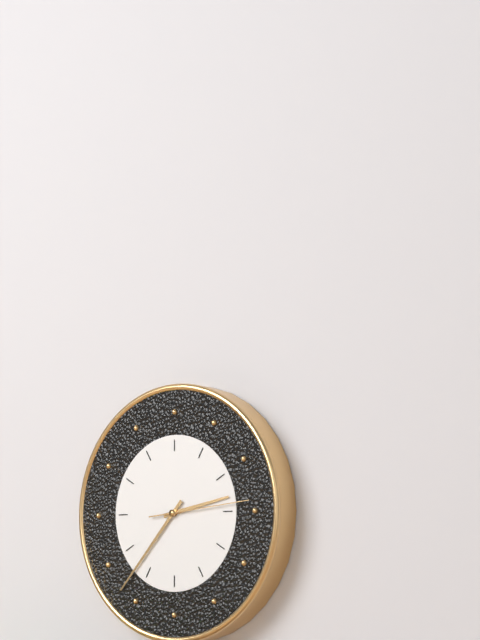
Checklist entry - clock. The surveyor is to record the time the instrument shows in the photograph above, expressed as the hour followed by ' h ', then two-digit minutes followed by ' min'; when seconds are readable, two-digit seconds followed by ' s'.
2 h 37 min 14 s
